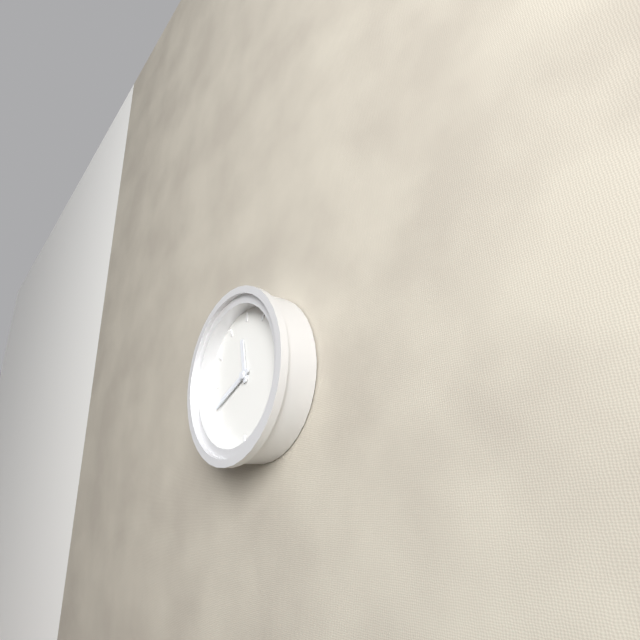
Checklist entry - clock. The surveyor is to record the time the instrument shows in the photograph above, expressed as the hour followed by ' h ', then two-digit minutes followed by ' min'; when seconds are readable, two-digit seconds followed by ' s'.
11 h 41 min
